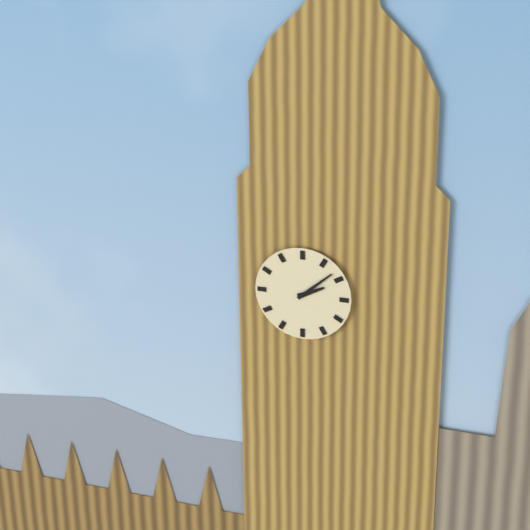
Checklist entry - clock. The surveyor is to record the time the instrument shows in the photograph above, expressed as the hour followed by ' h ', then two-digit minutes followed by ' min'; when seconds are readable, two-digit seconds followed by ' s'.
2 h 08 min
